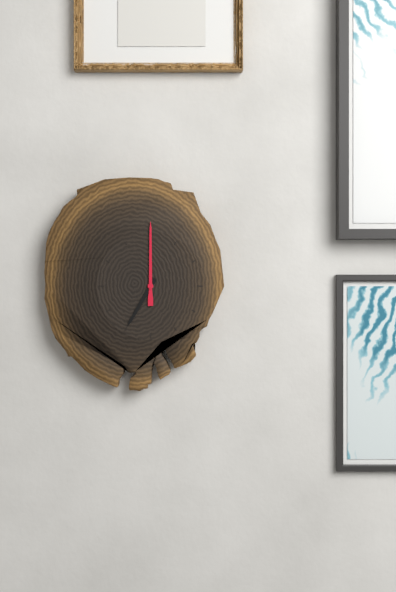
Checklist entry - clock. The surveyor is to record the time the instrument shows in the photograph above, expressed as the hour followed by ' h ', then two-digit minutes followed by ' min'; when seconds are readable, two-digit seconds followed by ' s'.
7 h 00 min
